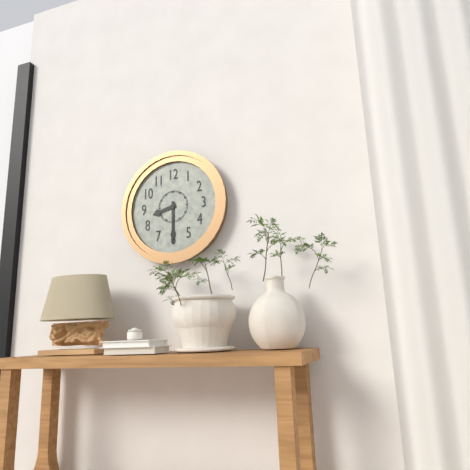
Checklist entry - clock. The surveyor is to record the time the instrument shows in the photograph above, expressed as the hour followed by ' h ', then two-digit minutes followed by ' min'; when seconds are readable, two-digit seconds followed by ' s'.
8 h 30 min
